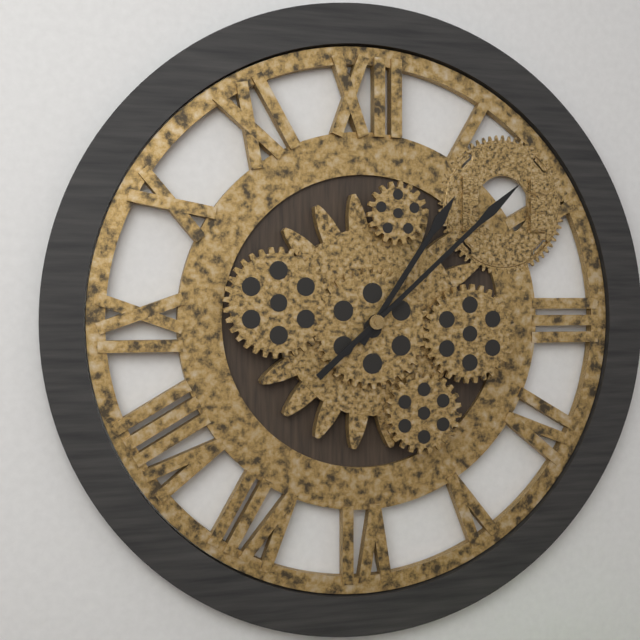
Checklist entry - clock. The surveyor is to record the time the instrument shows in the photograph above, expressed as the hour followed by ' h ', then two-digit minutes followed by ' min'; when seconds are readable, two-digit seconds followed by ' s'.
1 h 08 min
